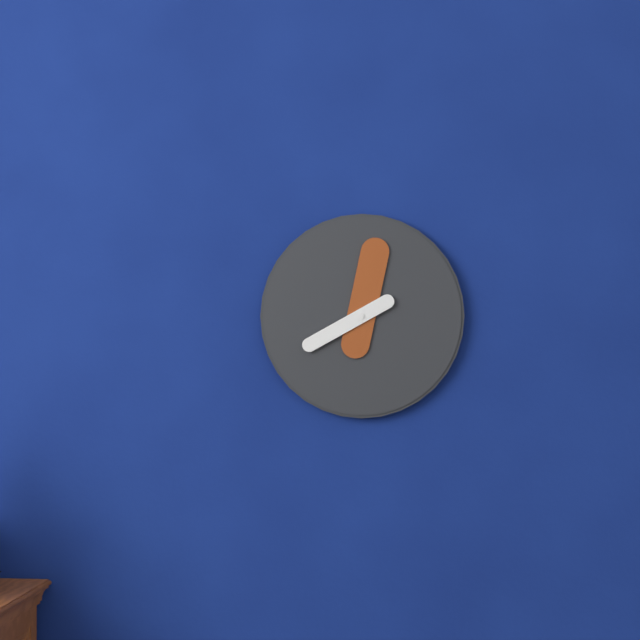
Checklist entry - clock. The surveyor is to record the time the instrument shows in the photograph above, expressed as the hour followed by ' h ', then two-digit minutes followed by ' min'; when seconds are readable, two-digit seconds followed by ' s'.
8 h 02 min
